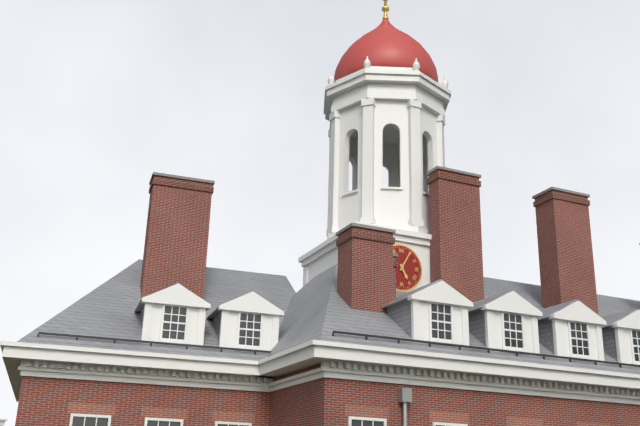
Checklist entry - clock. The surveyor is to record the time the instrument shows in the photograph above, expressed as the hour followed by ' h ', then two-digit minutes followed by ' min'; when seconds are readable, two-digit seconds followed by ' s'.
5 h 05 min
